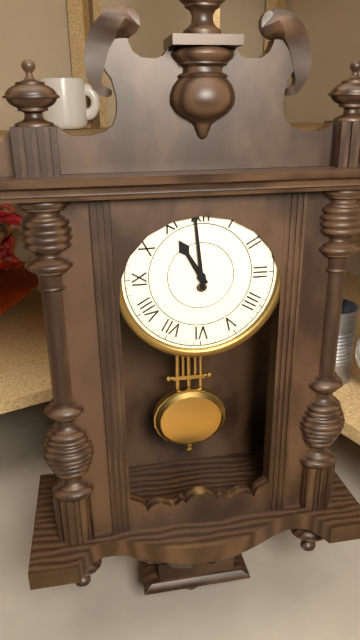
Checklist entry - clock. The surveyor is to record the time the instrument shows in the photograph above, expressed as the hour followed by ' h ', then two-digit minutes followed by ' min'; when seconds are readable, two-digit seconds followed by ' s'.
10 h 59 min
